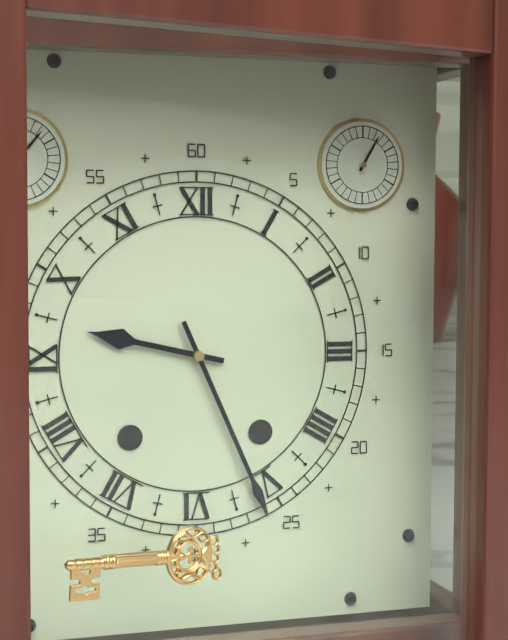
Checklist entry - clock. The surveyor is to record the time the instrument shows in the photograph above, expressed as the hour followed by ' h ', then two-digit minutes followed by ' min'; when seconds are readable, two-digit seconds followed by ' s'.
9 h 26 min
